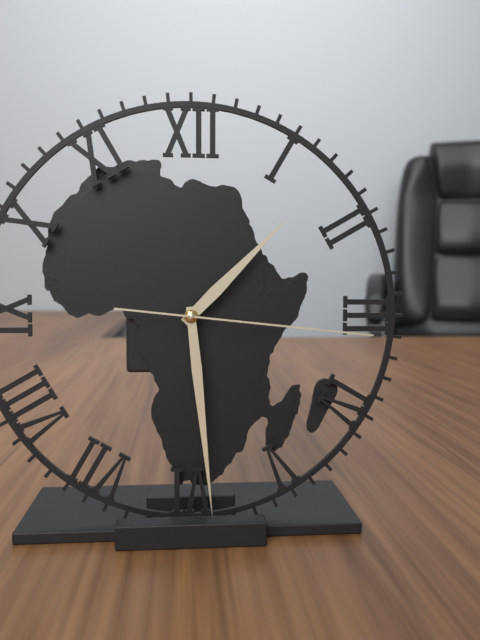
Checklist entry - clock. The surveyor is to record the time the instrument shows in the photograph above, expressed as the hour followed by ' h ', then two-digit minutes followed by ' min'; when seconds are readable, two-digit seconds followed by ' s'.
1 h 29 min 16 s
